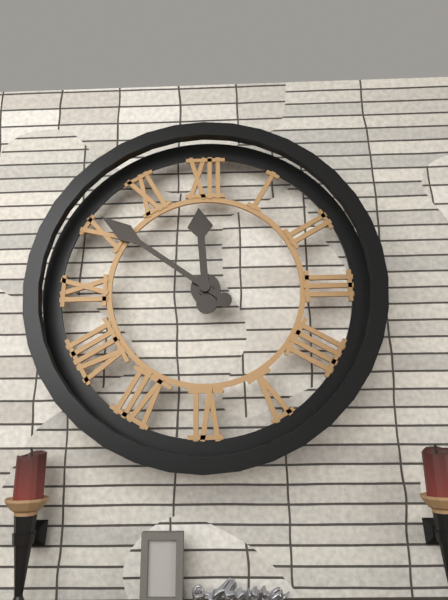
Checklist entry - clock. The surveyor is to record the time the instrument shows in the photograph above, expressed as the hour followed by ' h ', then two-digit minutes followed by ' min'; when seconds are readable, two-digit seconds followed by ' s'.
11 h 51 min
